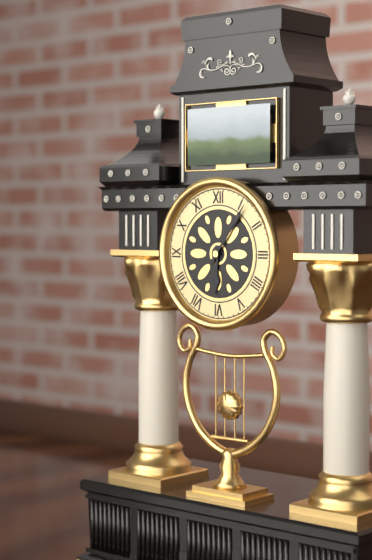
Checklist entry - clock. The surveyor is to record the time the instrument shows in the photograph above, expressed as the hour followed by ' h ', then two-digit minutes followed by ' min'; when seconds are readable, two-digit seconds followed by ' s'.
6 h 06 min
